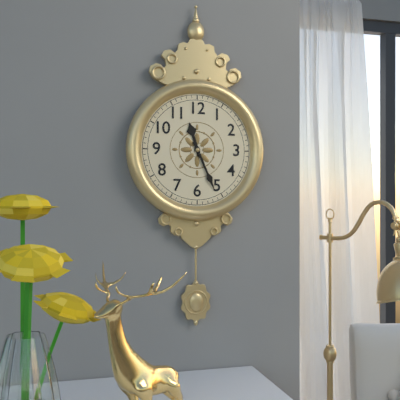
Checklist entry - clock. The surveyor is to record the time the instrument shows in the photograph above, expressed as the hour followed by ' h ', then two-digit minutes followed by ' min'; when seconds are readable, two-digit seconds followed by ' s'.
11 h 26 min
